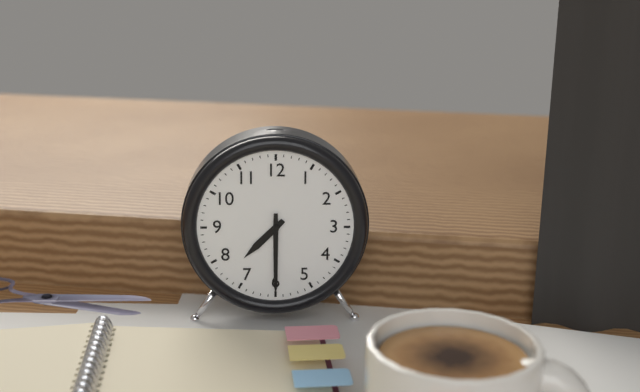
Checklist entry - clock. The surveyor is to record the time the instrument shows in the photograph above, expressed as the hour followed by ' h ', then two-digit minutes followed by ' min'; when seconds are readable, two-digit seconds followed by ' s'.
7 h 30 min
